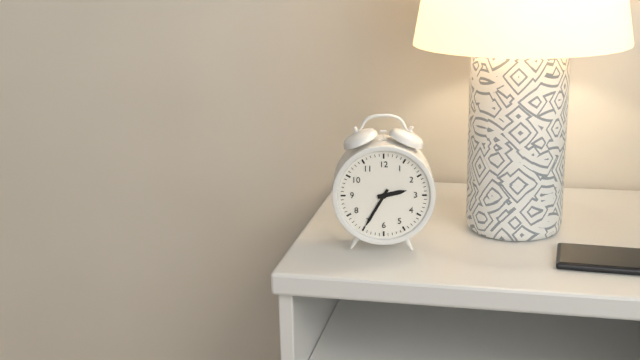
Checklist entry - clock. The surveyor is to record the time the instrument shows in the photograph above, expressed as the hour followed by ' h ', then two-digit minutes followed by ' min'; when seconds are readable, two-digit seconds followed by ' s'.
2 h 35 min
